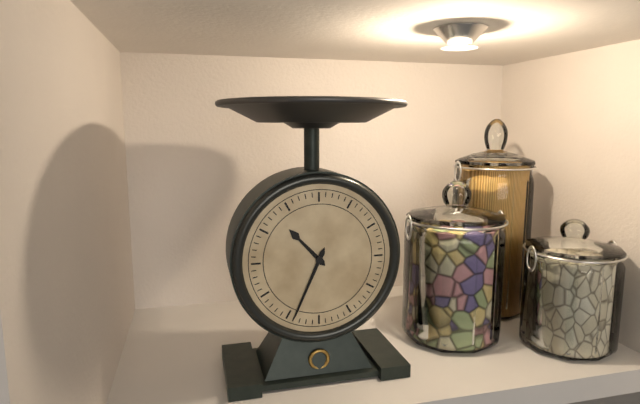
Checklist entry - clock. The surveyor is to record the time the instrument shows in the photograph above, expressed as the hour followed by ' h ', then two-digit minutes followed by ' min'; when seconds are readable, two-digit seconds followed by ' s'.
10 h 34 min
